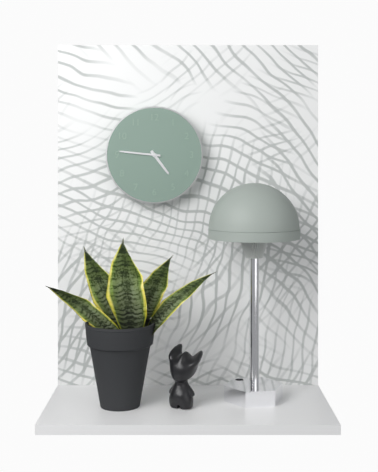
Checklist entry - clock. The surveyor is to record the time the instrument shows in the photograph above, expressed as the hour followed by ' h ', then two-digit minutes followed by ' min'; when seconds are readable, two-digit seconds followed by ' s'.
4 h 46 min
